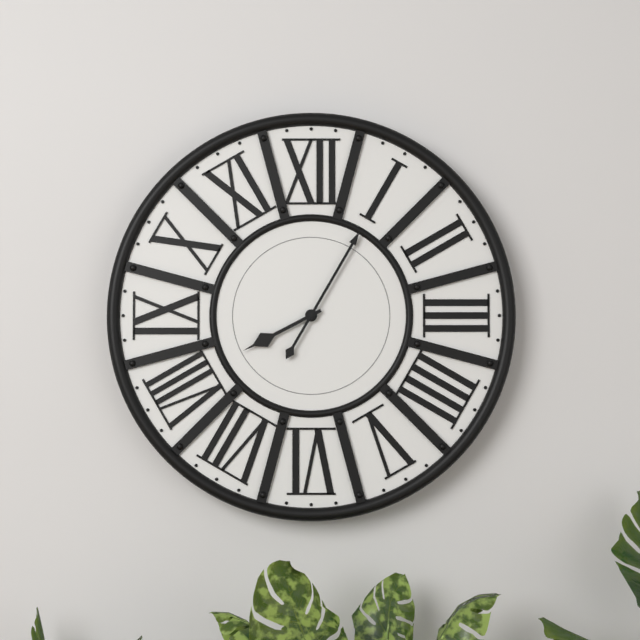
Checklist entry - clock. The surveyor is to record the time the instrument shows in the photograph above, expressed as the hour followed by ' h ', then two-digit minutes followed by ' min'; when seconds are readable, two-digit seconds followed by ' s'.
8 h 05 min
